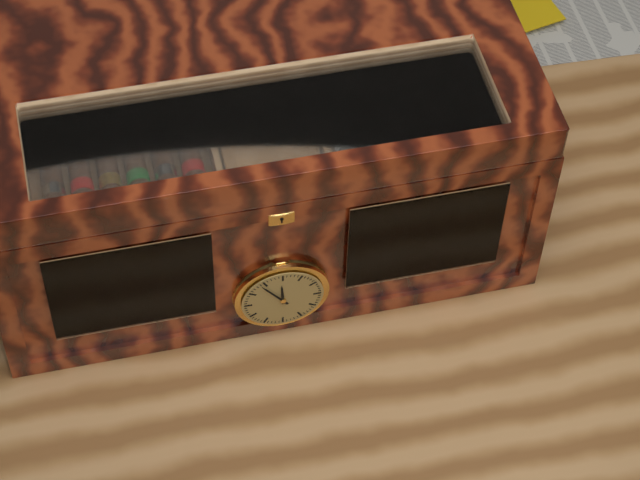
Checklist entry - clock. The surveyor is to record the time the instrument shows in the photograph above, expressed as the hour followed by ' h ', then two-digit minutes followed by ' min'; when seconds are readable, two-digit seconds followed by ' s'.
11 h 54 min
